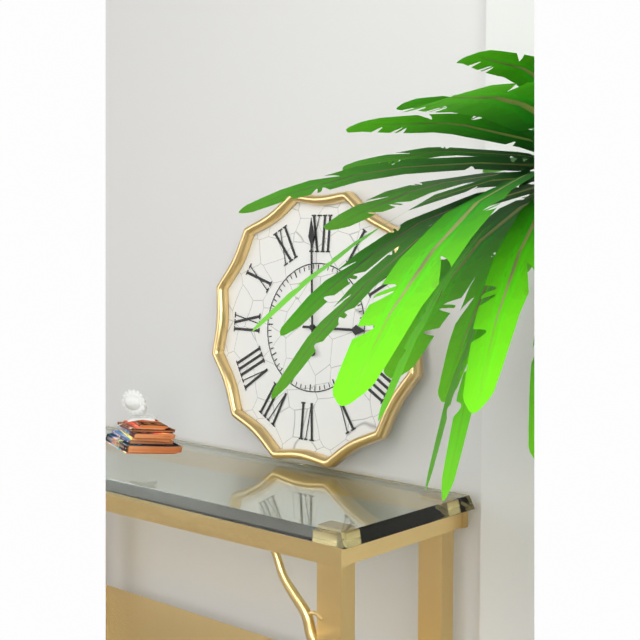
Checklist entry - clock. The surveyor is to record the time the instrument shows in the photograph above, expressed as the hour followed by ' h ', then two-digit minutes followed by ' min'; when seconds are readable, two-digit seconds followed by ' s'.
2 h 59 min
